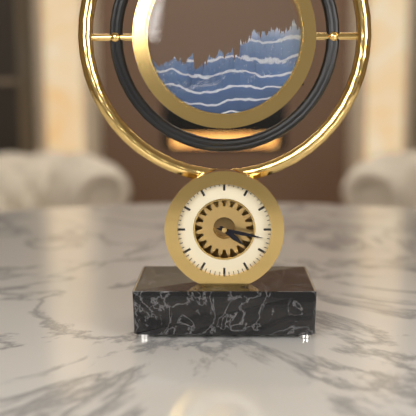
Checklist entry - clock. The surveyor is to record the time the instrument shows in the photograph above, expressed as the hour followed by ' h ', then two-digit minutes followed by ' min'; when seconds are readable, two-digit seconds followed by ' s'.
4 h 17 min
